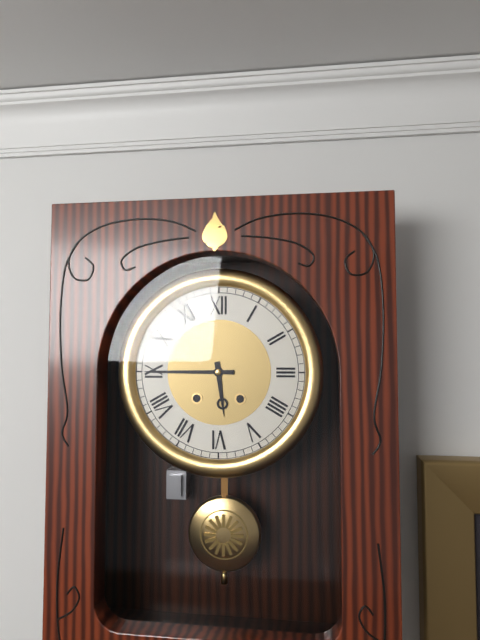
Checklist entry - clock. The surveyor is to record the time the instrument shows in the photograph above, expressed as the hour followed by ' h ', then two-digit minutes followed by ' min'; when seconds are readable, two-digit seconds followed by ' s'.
5 h 45 min
